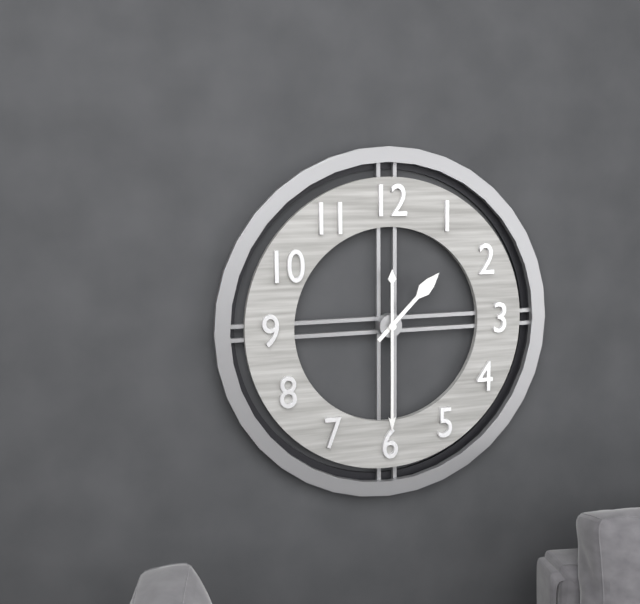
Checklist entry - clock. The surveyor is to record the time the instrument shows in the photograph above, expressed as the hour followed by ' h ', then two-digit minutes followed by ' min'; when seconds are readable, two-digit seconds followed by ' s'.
1 h 30 min
